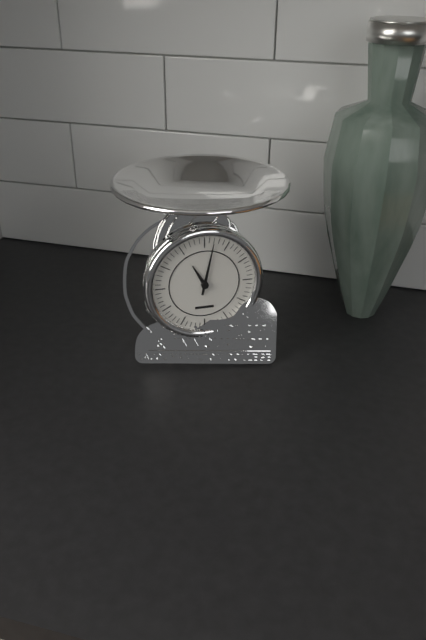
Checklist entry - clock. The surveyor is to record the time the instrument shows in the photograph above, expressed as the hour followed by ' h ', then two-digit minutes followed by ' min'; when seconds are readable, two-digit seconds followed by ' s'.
11 h 02 min
